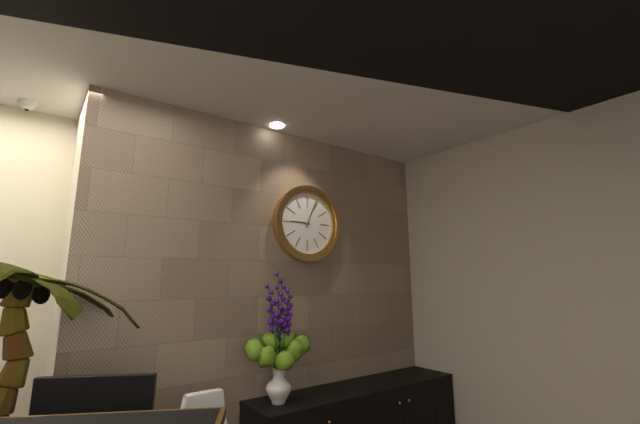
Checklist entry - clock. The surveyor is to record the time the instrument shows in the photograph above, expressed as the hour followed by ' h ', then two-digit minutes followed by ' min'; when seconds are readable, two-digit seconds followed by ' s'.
9 h 04 min
